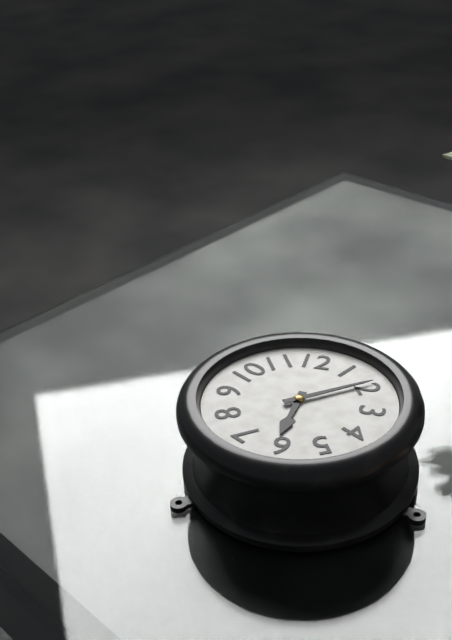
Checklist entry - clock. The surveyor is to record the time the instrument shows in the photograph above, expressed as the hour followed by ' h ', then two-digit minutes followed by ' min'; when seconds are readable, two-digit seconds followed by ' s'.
6 h 09 min
